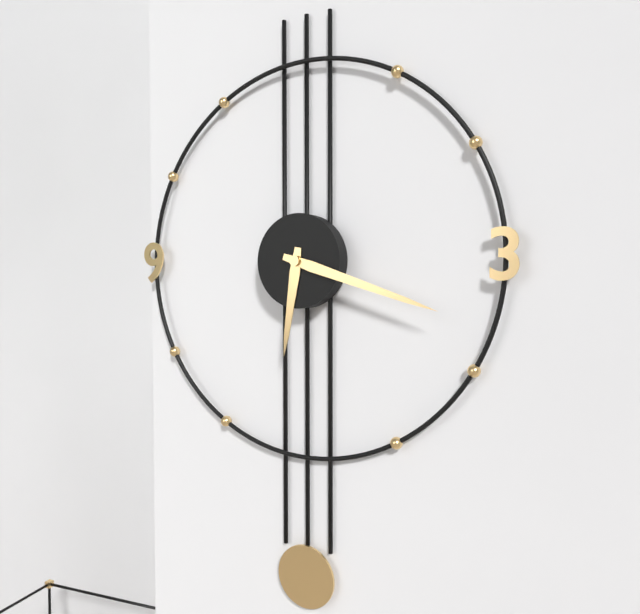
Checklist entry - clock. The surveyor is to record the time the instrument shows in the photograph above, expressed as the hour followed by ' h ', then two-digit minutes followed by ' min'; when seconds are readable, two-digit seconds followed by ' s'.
6 h 18 min
